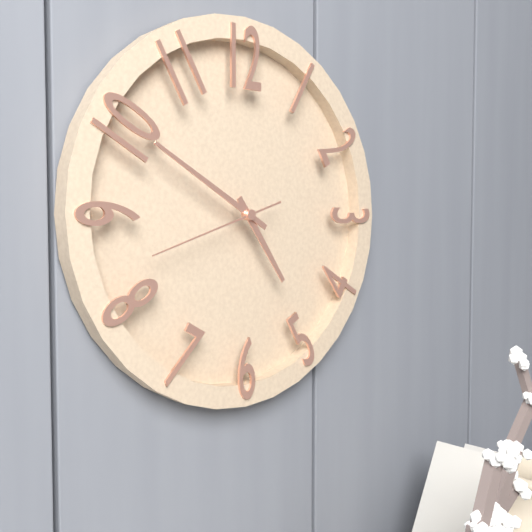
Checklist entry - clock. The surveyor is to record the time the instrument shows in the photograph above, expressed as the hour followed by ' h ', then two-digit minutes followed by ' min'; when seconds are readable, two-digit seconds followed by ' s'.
4 h 50 min 42 s
